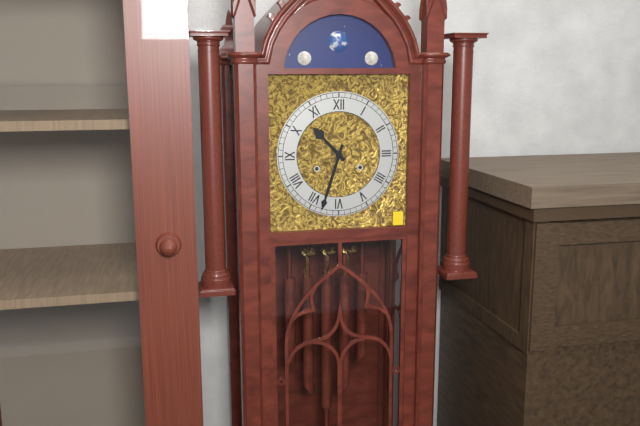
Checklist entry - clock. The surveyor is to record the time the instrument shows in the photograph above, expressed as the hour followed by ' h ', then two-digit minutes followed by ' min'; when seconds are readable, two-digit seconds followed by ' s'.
10 h 33 min
